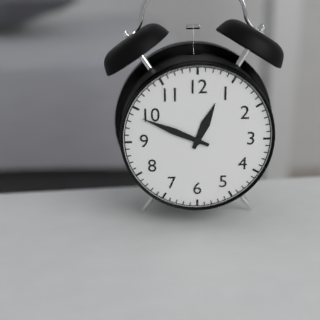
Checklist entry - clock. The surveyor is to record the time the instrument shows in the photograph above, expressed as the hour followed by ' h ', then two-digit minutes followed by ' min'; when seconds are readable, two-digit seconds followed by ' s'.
12 h 49 min
